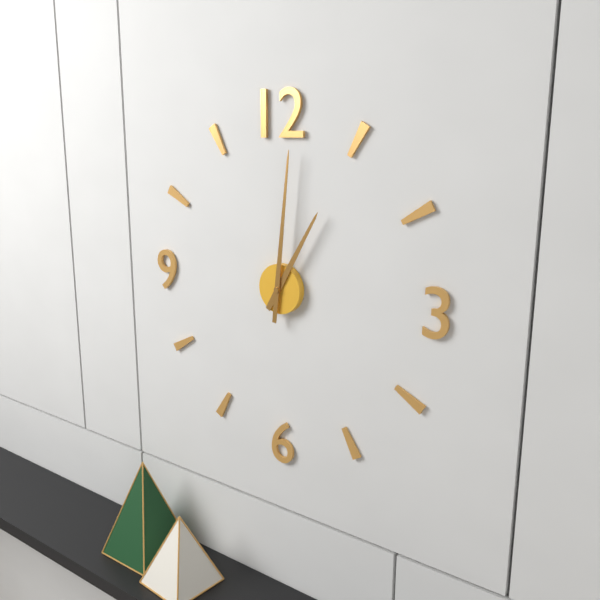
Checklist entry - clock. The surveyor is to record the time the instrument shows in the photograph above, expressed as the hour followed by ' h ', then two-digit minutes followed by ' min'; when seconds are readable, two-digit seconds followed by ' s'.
1 h 01 min
